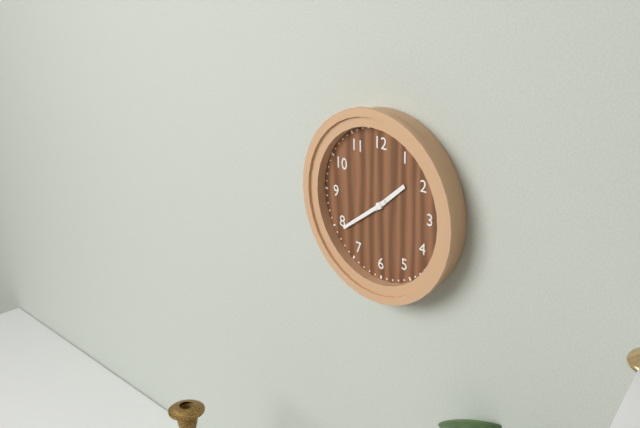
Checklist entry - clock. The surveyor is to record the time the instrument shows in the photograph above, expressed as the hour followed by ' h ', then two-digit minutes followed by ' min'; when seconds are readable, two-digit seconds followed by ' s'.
1 h 39 min
